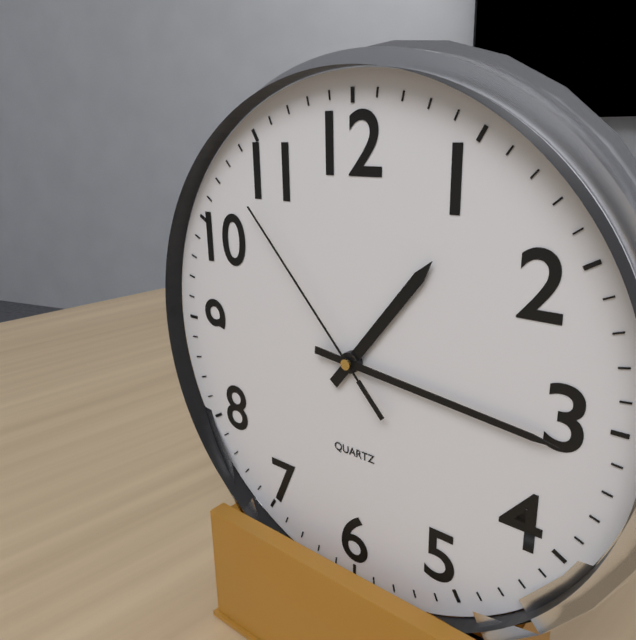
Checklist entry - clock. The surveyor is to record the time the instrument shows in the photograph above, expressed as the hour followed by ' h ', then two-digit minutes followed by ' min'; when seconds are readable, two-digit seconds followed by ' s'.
1 h 16 min 53 s
